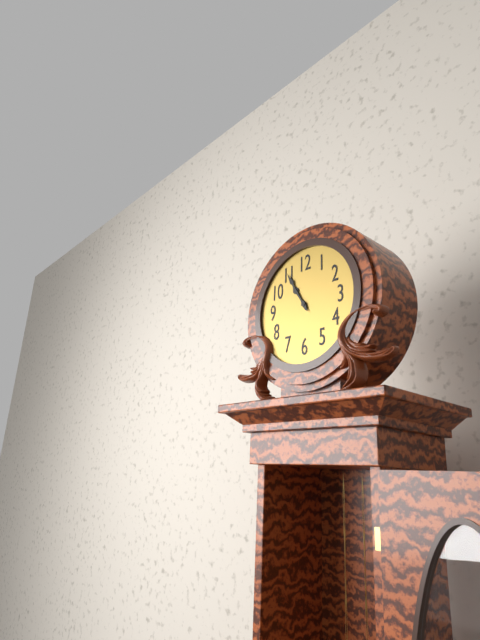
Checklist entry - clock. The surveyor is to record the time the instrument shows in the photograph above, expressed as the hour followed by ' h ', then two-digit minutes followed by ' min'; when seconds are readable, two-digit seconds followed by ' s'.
10 h 55 min
